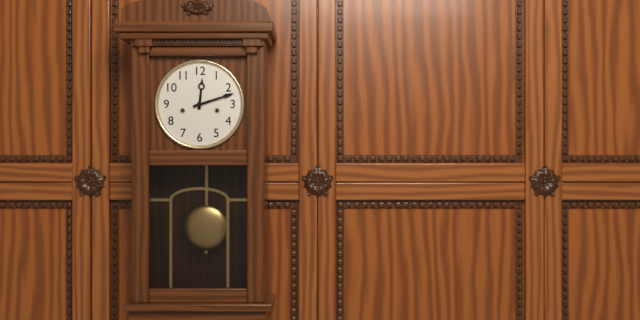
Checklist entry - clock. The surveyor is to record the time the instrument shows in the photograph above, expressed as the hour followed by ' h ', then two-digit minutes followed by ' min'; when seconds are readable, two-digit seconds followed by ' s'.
12 h 12 min
